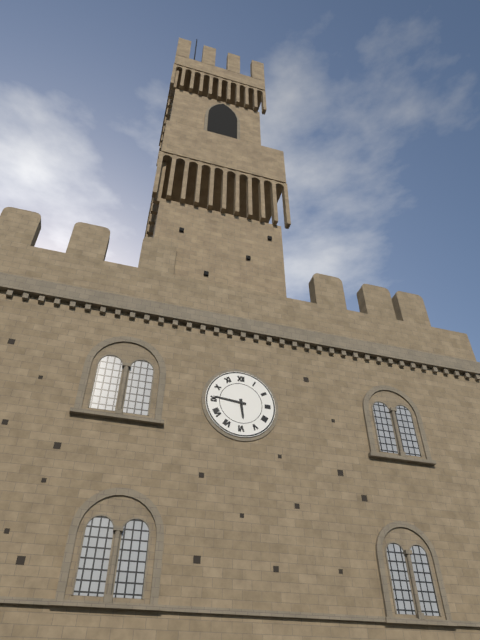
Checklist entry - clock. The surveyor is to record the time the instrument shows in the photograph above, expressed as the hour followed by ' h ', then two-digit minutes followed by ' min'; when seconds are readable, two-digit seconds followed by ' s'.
5 h 46 min
